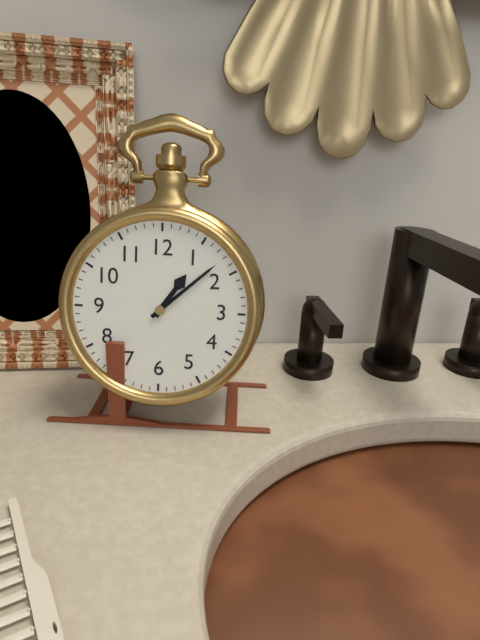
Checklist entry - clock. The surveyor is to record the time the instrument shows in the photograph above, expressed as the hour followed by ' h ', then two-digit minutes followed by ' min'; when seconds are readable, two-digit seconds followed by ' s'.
1 h 08 min
